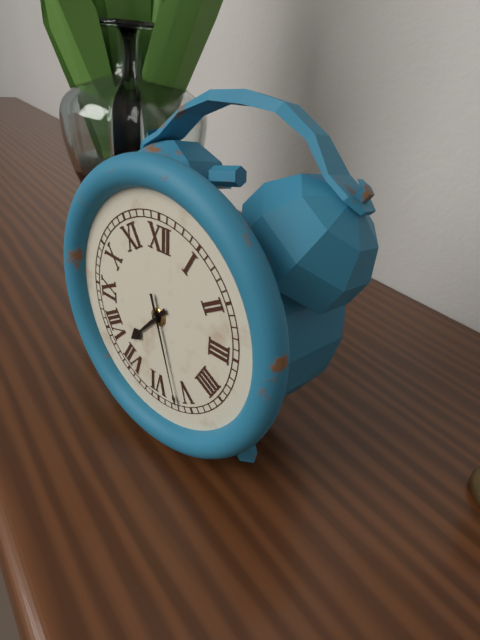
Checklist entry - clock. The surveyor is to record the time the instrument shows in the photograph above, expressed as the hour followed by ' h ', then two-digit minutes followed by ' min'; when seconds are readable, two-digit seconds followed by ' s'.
7 h 27 min
